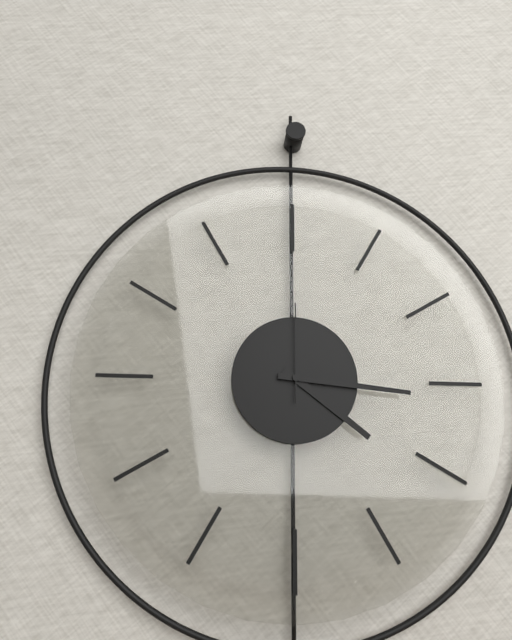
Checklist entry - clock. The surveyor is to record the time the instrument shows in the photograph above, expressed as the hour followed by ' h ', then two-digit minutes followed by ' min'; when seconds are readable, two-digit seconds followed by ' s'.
4 h 16 min 00 s
